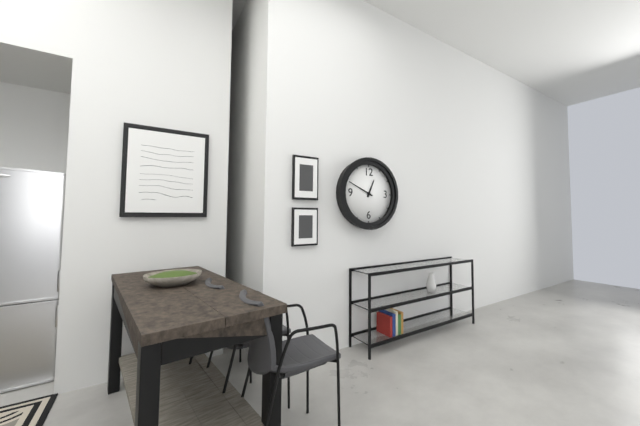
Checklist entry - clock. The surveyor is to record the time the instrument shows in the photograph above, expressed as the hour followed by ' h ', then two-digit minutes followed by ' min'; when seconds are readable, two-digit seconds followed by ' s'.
12 h 49 min
